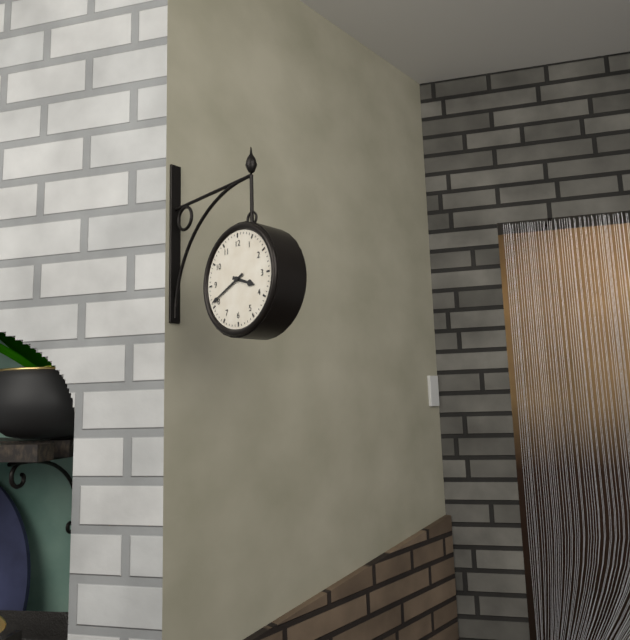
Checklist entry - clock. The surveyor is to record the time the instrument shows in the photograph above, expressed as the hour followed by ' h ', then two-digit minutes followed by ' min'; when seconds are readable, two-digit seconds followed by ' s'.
3 h 41 min
